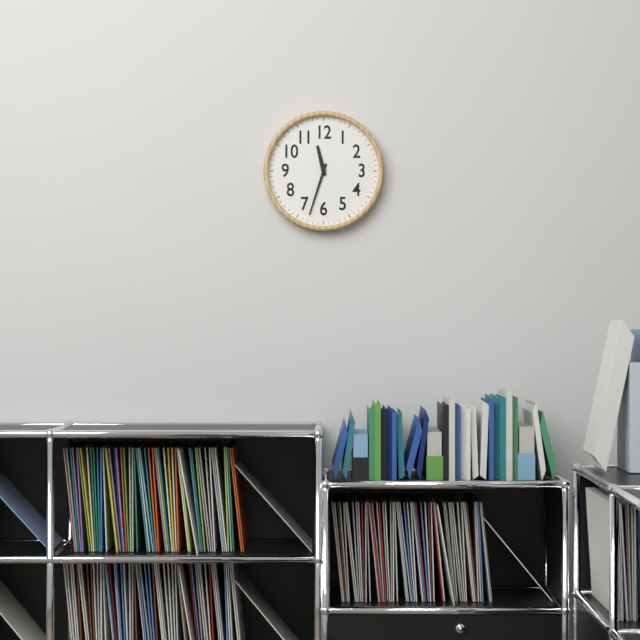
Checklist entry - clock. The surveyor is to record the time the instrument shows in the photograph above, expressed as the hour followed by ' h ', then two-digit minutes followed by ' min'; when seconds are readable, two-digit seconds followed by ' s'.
11 h 33 min
